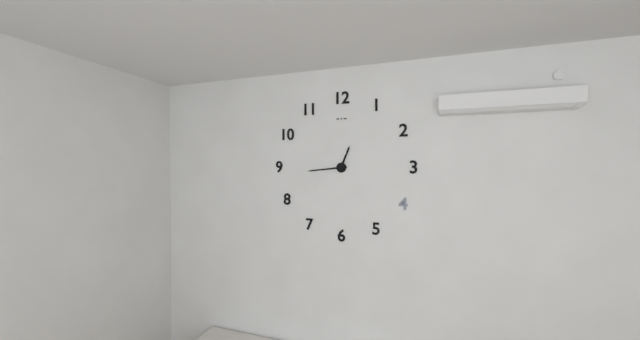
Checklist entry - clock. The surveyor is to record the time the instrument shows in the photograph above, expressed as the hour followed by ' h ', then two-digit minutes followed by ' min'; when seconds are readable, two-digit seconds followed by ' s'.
12 h 44 min
